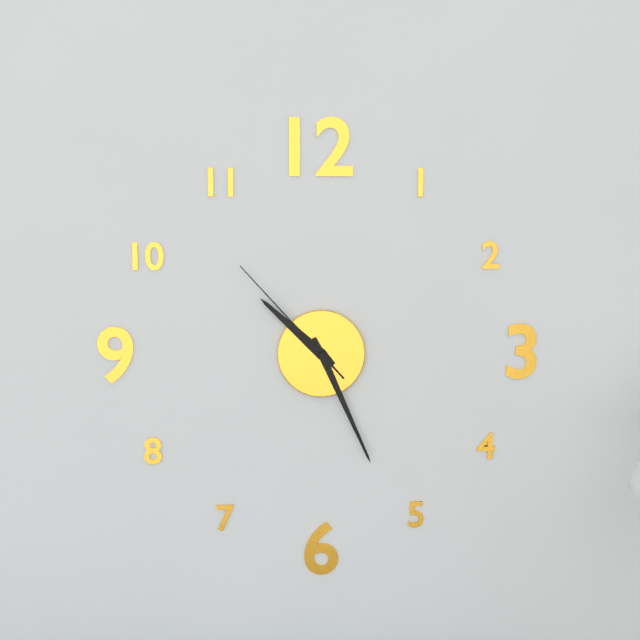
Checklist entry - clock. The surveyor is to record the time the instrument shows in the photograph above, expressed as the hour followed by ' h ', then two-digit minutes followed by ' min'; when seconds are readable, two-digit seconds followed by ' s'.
10 h 26 min 53 s
